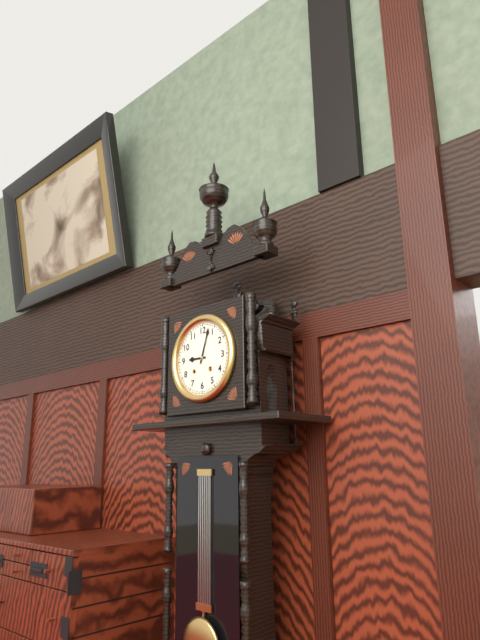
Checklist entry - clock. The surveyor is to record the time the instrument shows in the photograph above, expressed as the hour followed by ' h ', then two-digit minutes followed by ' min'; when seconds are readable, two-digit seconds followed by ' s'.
9 h 03 min
